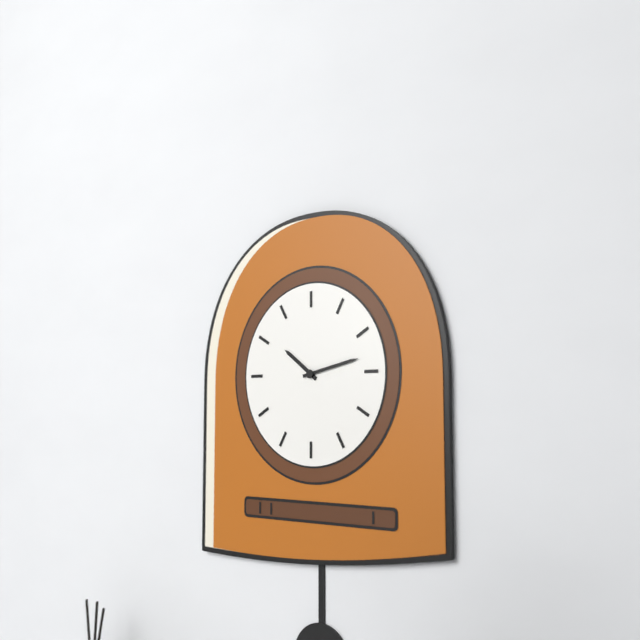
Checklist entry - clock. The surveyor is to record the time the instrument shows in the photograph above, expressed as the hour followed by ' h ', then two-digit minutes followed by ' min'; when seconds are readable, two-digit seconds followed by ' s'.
10 h 13 min
